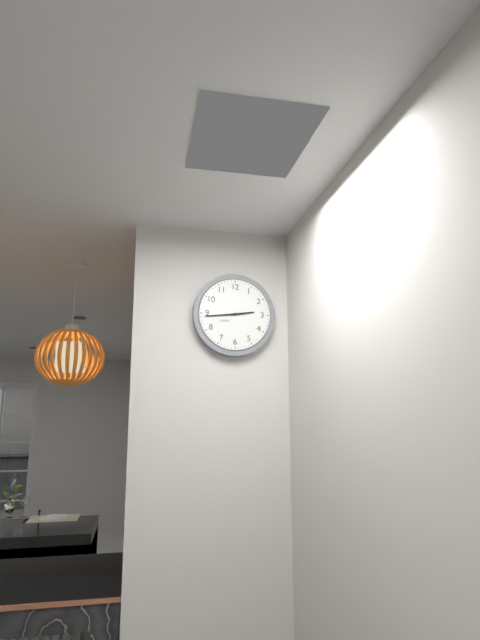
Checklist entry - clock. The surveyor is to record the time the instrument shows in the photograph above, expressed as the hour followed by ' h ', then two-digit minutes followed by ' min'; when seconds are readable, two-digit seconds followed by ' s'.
2 h 44 min
